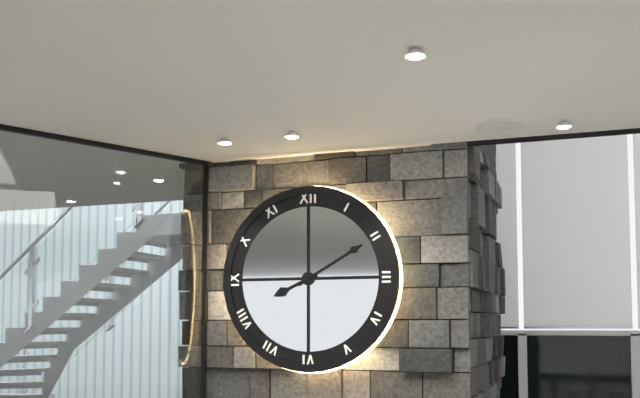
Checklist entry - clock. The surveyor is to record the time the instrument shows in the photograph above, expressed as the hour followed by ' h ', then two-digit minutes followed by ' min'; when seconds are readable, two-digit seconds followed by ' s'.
8 h 10 min
